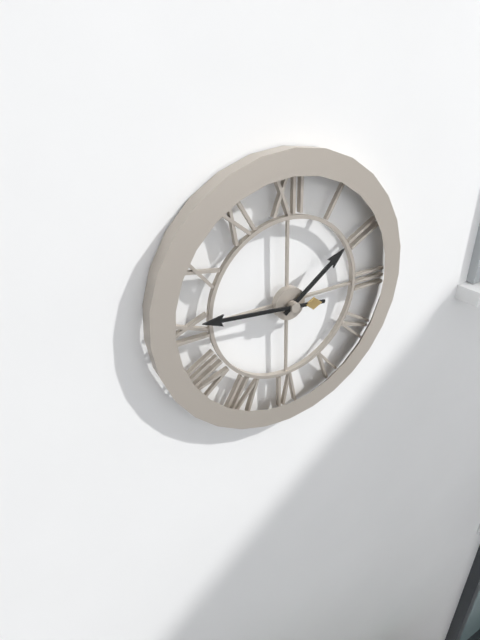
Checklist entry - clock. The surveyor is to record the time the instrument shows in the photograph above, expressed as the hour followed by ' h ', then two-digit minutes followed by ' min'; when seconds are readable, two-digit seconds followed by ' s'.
1 h 46 min
